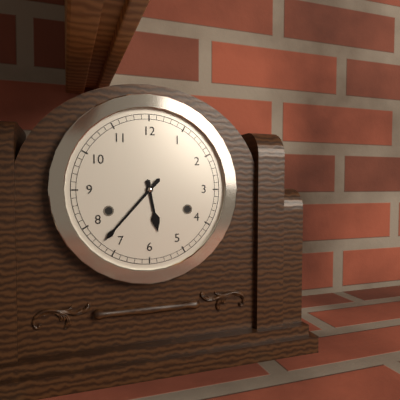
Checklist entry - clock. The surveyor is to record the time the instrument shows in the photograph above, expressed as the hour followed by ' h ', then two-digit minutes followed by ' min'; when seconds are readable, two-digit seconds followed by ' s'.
5 h 37 min
